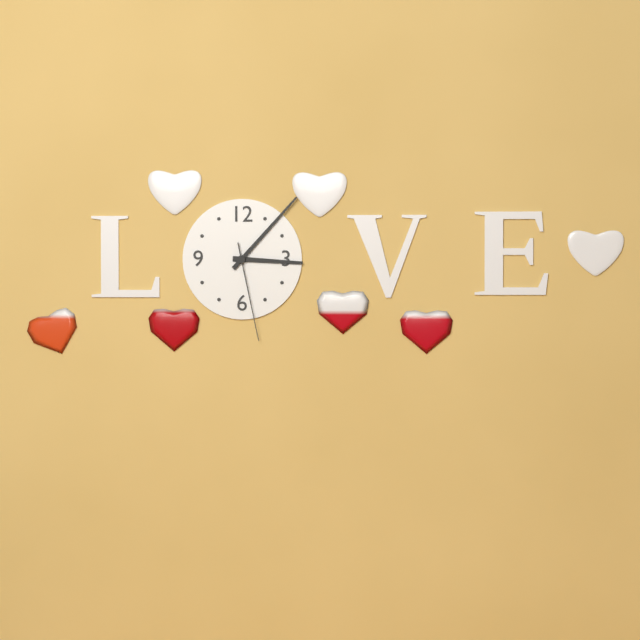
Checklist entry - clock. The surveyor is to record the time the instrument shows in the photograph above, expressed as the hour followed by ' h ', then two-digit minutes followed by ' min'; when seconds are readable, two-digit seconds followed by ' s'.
3 h 07 min 28 s
